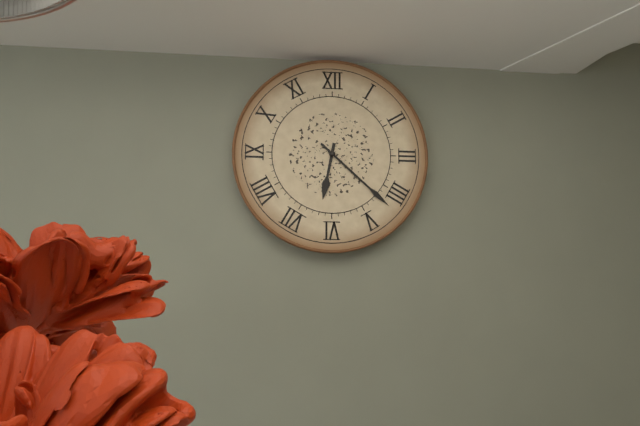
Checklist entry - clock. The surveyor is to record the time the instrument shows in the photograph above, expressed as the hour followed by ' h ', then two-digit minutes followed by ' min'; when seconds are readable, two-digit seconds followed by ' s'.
6 h 22 min
